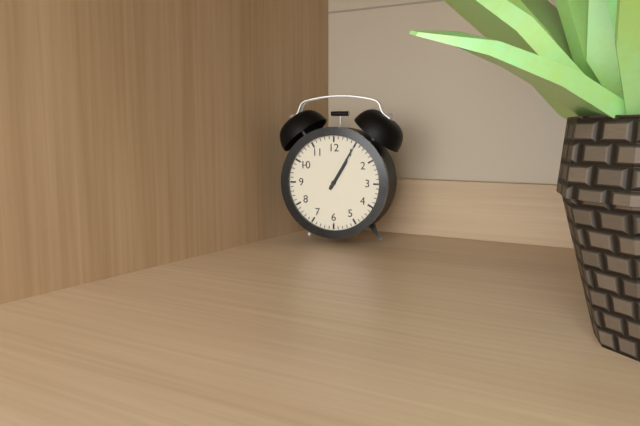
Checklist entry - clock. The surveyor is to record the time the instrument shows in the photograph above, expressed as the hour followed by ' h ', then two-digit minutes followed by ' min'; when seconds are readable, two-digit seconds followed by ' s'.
1 h 05 min
